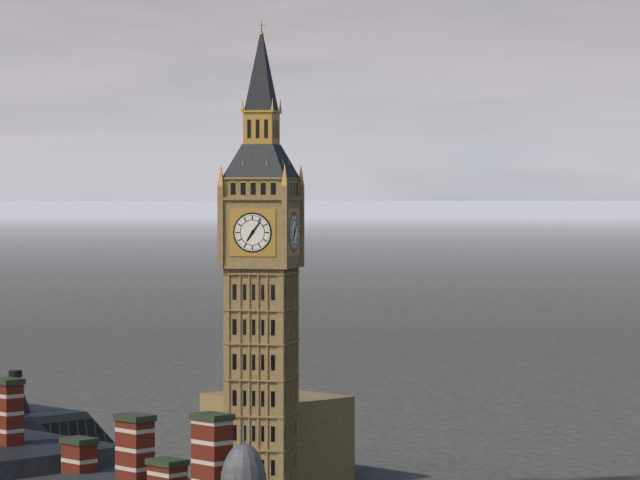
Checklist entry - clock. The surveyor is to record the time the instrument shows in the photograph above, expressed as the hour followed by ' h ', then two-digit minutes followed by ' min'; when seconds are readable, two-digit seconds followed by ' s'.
7 h 06 min
